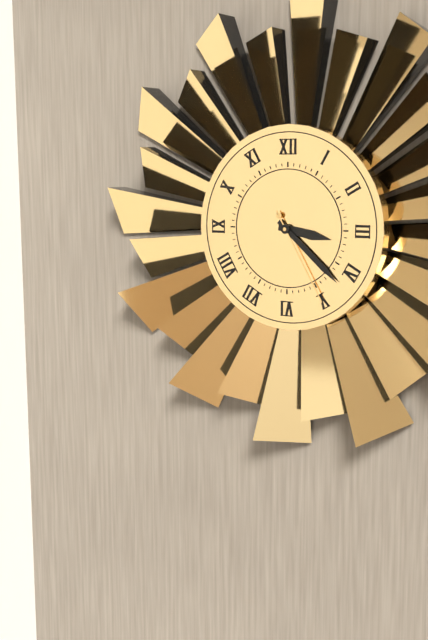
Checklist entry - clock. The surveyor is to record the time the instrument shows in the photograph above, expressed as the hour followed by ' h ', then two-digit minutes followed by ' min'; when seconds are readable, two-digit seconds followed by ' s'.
3 h 22 min 25 s
